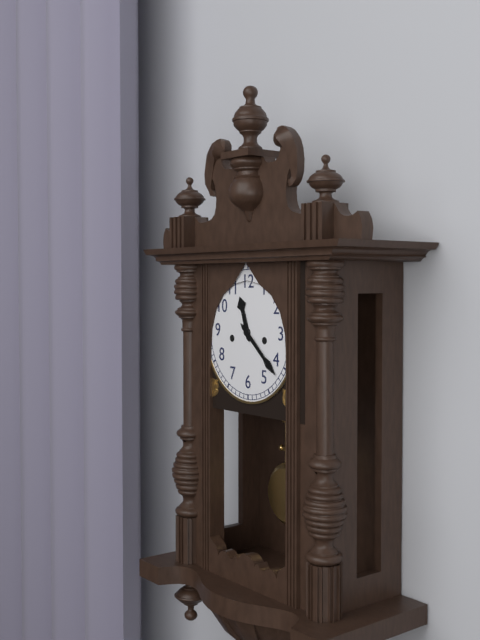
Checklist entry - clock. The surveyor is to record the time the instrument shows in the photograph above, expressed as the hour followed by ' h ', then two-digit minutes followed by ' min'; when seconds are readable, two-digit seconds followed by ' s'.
11 h 22 min
